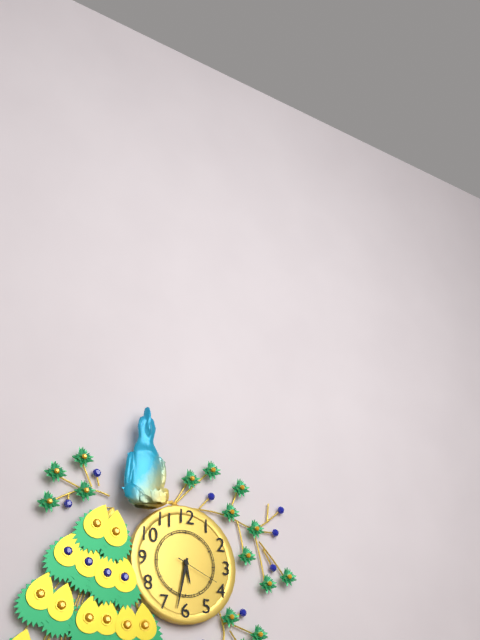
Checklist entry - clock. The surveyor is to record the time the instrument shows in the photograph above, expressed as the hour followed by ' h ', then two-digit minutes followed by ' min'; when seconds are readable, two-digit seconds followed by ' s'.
5 h 32 min 19 s
